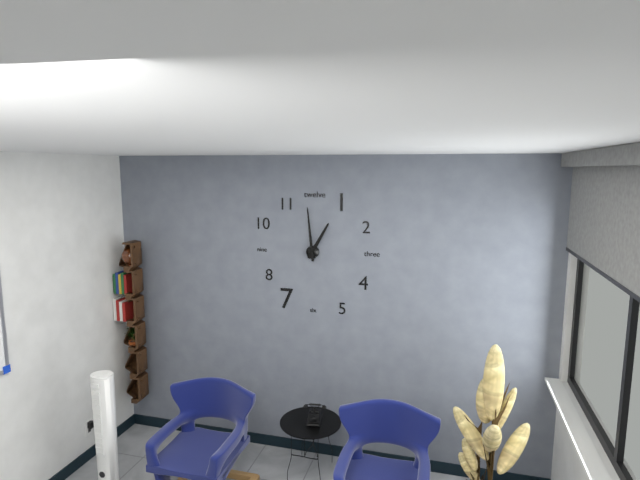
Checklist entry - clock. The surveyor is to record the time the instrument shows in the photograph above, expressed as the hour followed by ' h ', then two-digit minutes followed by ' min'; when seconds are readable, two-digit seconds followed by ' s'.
12 h 59 min
